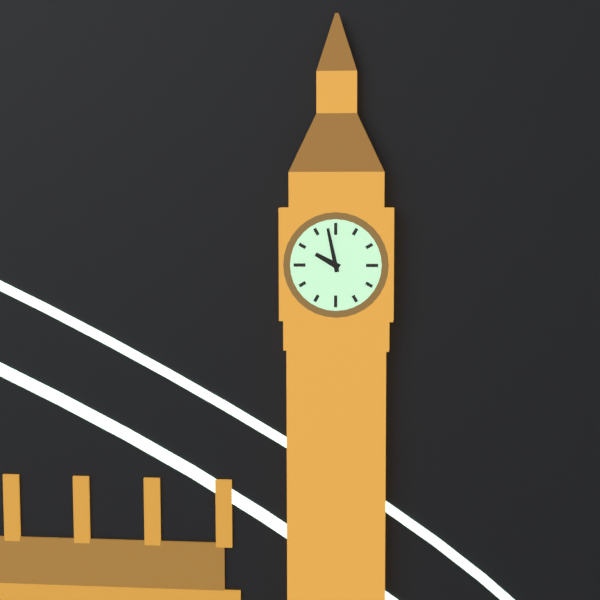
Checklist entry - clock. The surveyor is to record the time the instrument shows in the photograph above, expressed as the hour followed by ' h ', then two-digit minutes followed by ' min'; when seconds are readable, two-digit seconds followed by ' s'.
9 h 58 min
